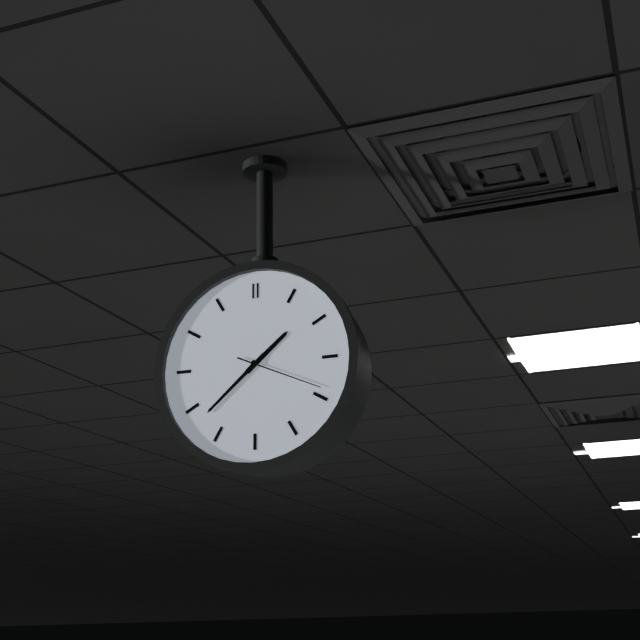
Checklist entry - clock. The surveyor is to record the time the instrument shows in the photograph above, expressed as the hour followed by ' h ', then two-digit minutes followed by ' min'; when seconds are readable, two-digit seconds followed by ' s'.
1 h 38 min 19 s
